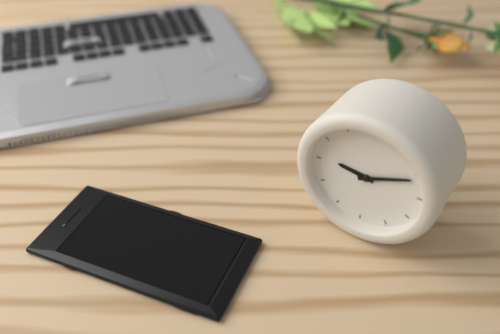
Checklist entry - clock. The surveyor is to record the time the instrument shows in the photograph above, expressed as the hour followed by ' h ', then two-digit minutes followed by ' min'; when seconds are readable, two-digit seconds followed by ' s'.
9 h 11 min
